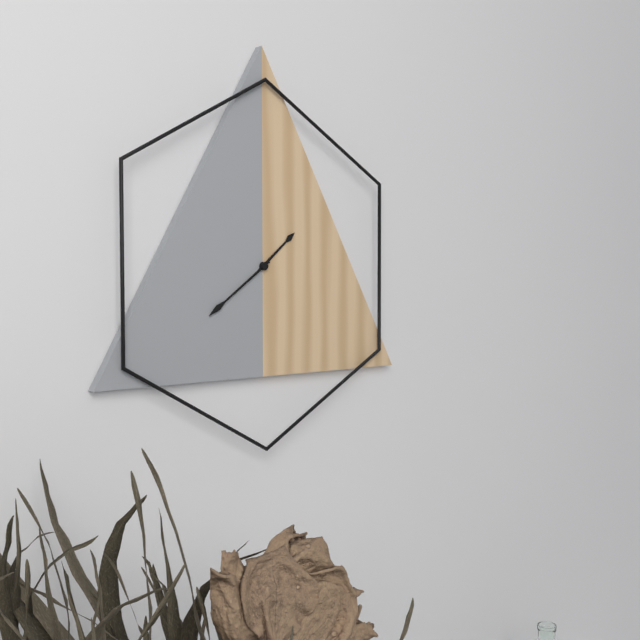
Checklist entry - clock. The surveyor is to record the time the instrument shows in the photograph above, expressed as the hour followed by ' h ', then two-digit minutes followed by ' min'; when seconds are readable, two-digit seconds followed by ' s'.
1 h 39 min
